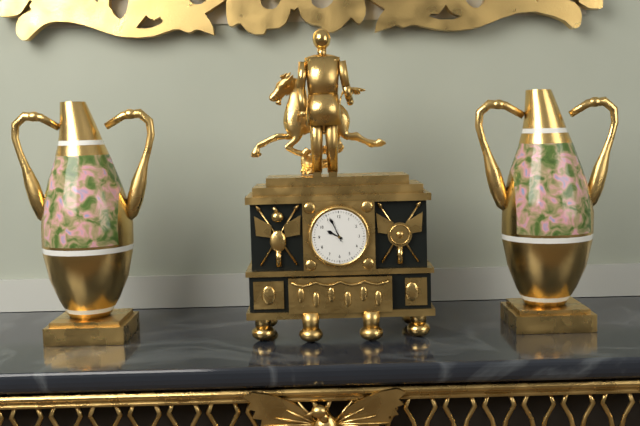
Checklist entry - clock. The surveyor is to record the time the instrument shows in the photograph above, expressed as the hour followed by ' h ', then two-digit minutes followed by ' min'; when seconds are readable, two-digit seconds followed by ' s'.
9 h 56 min
